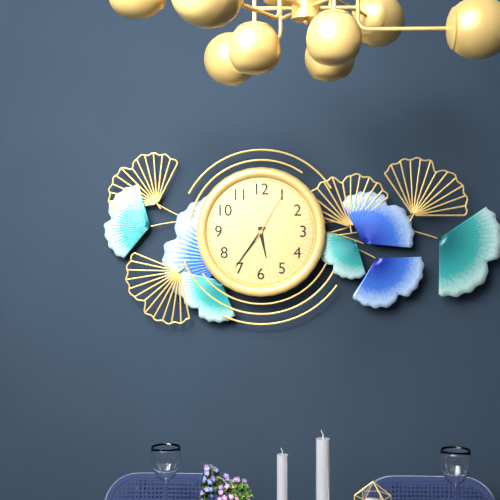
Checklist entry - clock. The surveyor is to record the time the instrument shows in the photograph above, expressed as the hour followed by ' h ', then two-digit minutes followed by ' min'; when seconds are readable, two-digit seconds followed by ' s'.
5 h 36 min 05 s
